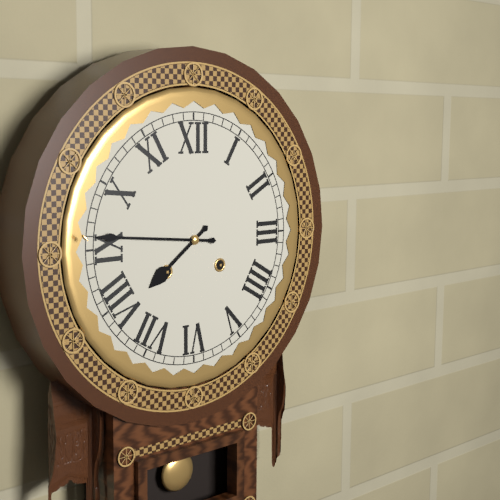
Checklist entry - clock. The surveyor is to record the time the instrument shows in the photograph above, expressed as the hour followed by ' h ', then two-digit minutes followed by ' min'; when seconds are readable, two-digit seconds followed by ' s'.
7 h 46 min
